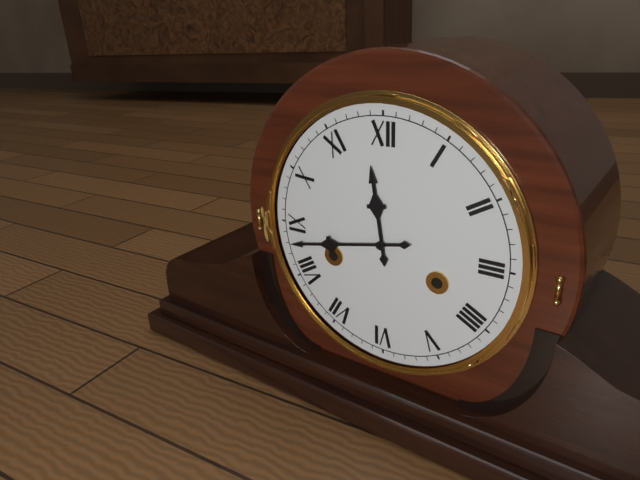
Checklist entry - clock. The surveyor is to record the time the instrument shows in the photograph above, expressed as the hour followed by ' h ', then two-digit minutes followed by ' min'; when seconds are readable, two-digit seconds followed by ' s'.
11 h 43 min
